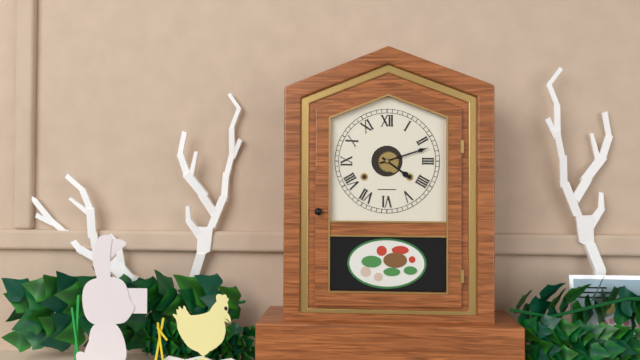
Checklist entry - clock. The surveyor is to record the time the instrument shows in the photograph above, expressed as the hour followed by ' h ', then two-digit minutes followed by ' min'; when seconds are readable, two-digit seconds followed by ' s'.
4 h 12 min
